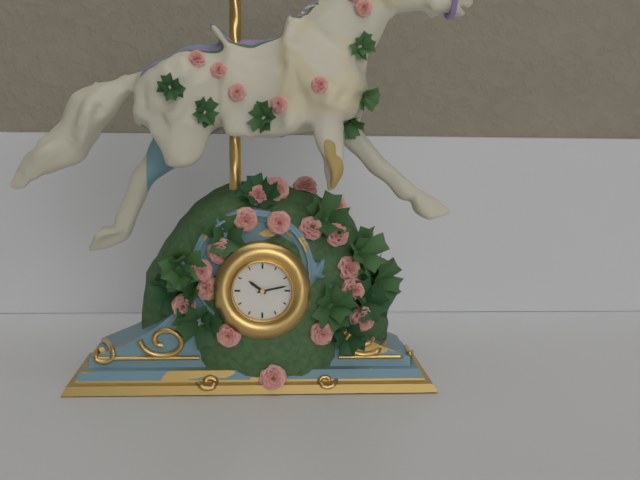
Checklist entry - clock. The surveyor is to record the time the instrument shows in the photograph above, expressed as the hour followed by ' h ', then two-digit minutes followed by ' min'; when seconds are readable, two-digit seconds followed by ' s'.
10 h 13 min
